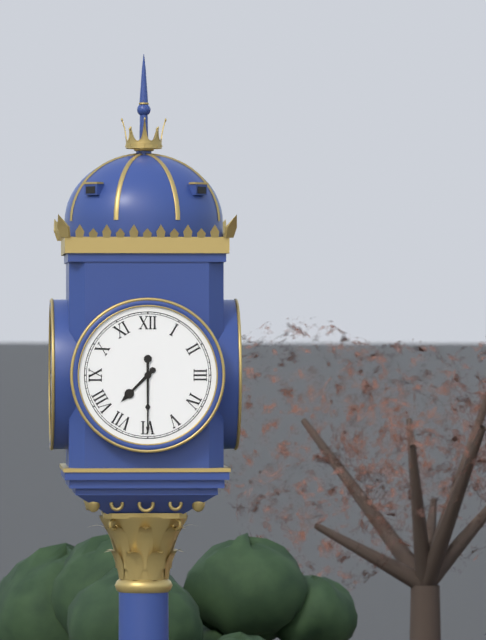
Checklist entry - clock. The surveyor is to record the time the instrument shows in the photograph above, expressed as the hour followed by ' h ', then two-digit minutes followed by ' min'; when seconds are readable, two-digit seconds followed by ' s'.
7 h 30 min
